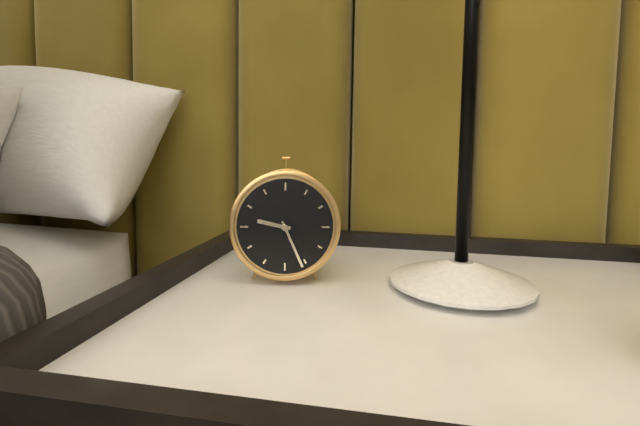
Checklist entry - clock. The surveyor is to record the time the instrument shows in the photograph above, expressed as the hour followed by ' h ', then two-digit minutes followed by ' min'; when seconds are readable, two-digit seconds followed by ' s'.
9 h 26 min
